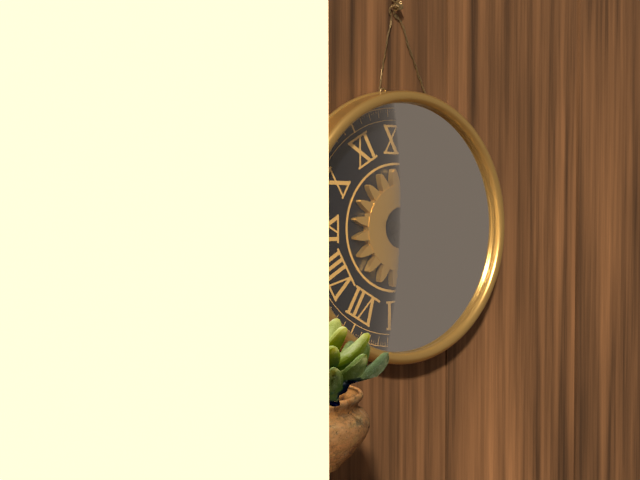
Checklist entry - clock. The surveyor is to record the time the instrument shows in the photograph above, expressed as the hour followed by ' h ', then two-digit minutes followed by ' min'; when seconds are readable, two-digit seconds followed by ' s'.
1 h 17 min
